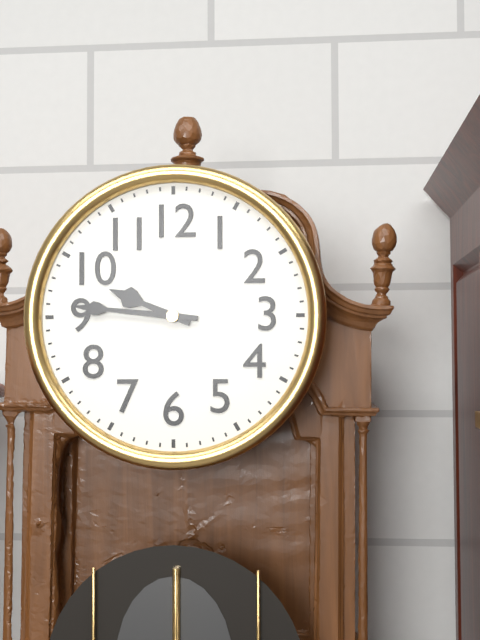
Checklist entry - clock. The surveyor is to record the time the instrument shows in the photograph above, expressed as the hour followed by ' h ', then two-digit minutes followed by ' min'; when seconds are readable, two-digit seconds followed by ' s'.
9 h 46 min
